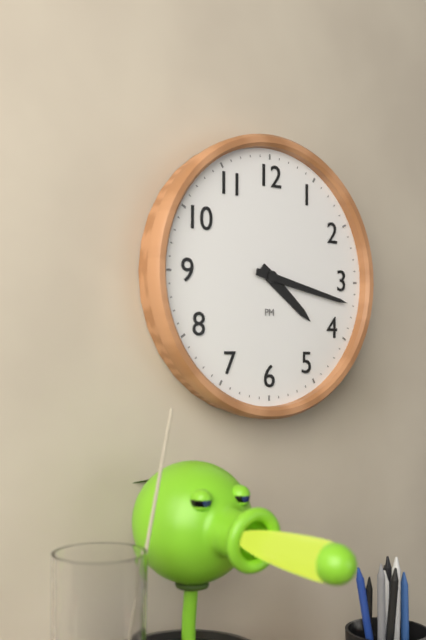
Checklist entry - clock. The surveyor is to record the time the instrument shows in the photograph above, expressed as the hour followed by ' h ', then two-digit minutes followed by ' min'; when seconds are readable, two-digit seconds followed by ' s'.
4 h 17 min
